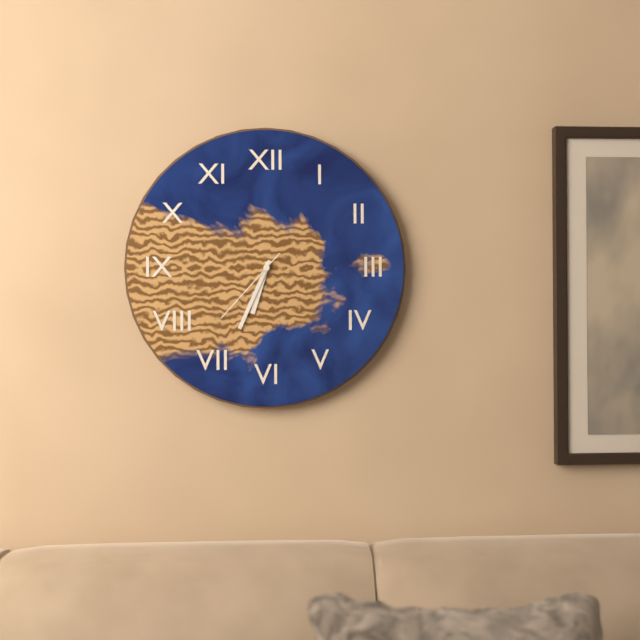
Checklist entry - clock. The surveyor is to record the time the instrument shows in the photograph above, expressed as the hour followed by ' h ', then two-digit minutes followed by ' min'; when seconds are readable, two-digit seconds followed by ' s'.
6 h 34 min 37 s
